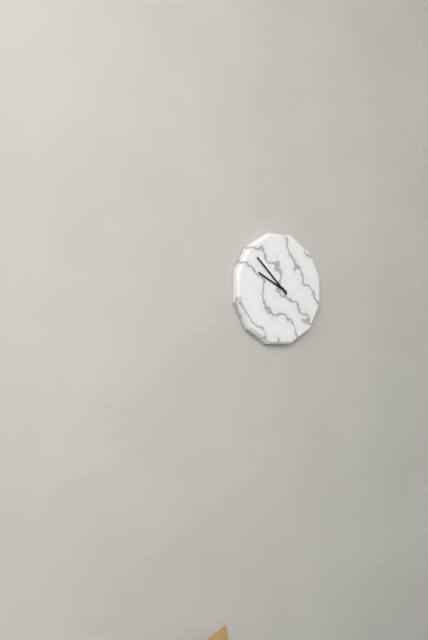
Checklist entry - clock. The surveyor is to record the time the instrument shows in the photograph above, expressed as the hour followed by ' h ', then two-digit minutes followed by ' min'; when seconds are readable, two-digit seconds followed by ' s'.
9 h 52 min
